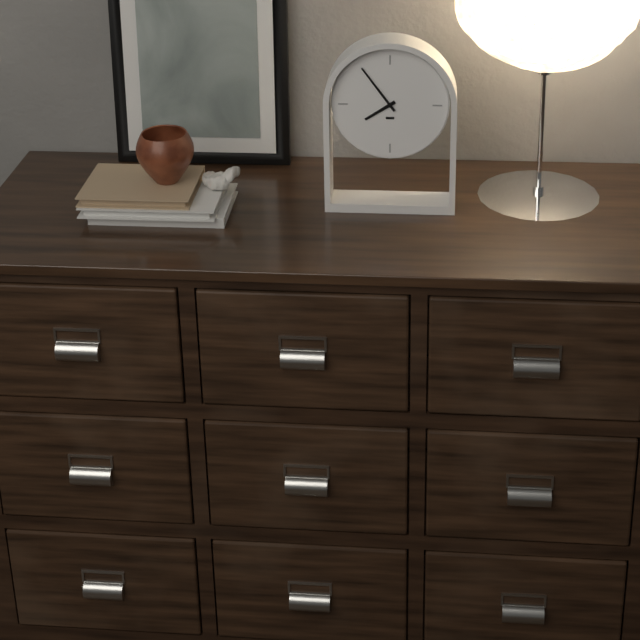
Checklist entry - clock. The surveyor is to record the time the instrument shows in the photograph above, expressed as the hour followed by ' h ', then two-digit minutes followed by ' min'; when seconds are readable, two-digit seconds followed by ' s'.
7 h 54 min
